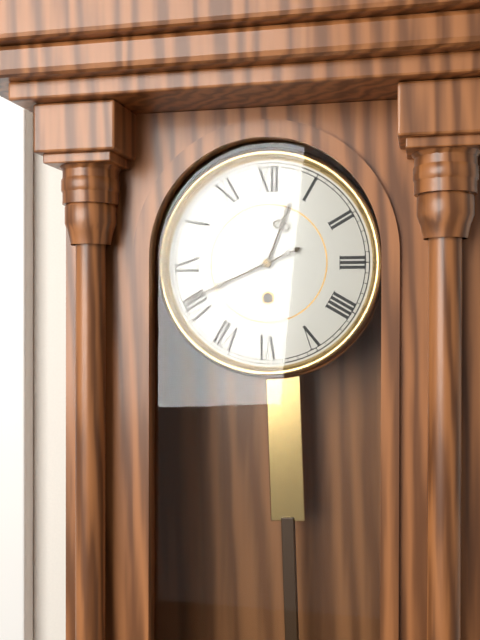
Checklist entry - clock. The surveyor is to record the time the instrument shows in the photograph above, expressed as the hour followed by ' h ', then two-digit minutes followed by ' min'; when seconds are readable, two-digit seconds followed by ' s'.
12 h 41 min
